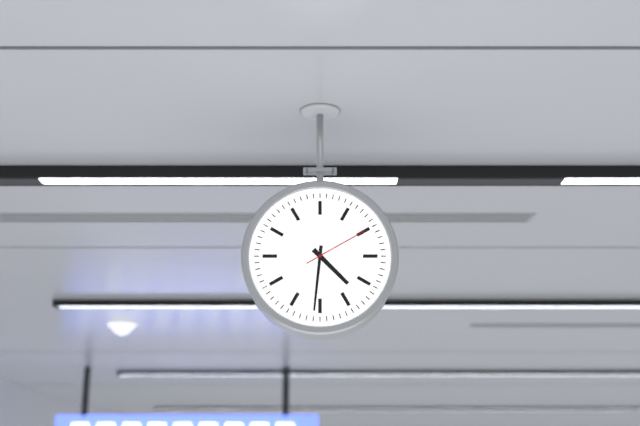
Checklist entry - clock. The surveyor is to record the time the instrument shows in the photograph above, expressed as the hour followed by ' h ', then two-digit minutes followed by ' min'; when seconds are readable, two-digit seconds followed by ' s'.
4 h 31 min 10 s
